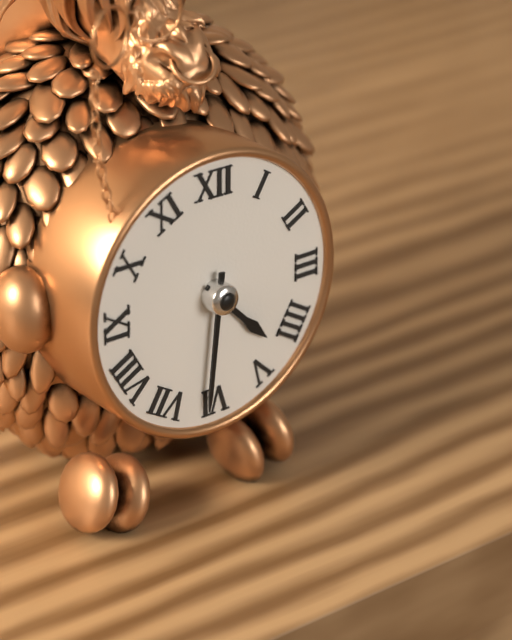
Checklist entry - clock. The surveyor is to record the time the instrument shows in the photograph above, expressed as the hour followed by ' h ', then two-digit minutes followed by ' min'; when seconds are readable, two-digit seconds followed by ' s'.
4 h 31 min
